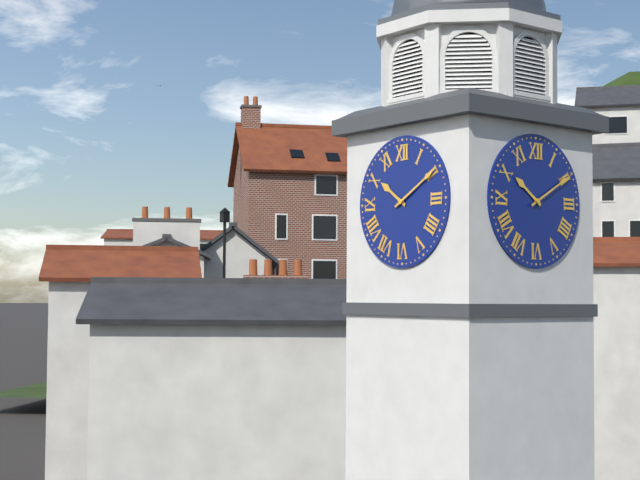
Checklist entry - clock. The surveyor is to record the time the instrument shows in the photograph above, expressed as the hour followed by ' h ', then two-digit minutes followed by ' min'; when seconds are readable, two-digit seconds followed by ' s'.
10 h 10 min
